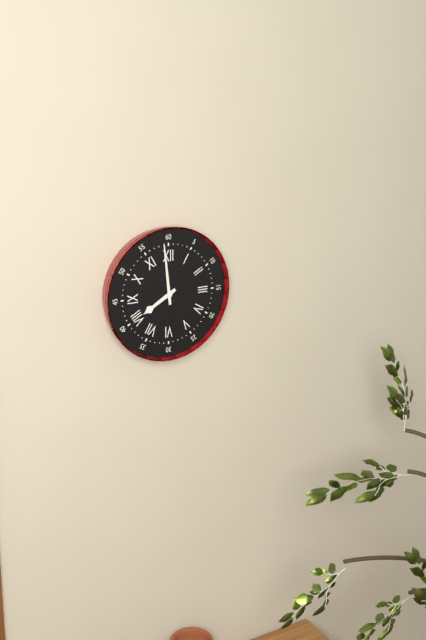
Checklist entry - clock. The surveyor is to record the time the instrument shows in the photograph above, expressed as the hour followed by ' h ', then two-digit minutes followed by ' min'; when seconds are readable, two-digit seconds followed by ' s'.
7 h 59 min
